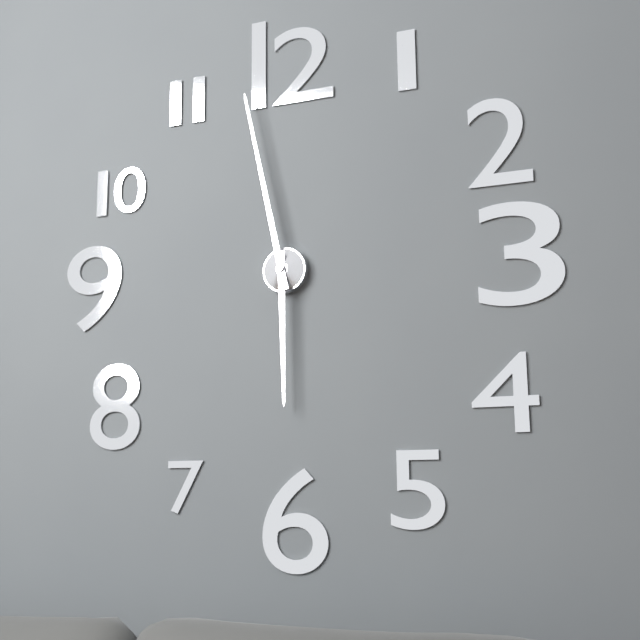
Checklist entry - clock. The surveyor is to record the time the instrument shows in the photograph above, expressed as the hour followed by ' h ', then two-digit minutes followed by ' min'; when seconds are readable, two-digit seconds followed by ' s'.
5 h 58 min
